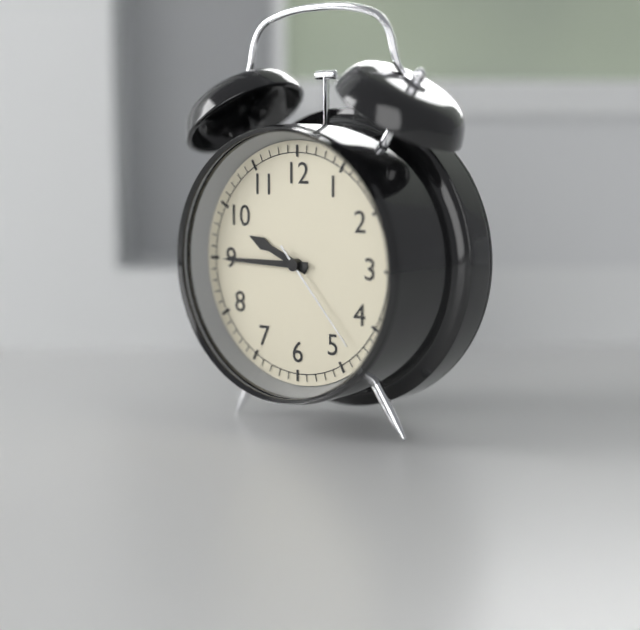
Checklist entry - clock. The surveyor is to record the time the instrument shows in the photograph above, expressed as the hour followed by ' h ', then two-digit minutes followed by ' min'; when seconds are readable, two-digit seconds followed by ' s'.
9 h 45 min 23 s
